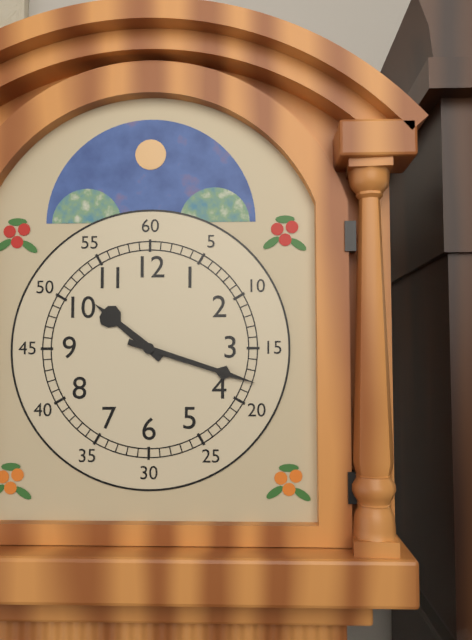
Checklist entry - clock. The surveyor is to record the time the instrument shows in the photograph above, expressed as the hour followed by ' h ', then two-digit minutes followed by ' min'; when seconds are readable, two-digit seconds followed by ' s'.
10 h 18 min
